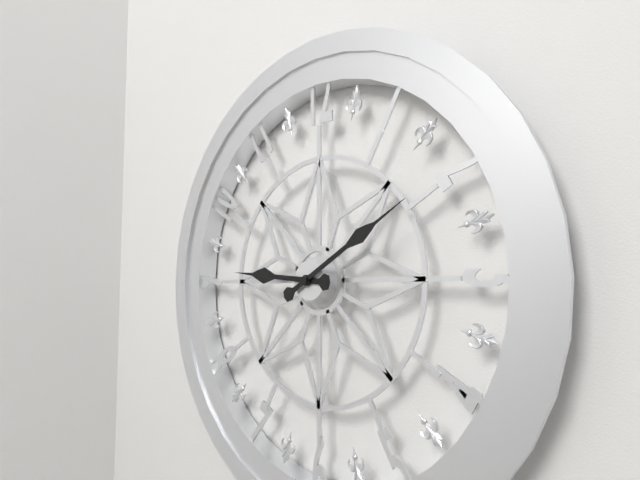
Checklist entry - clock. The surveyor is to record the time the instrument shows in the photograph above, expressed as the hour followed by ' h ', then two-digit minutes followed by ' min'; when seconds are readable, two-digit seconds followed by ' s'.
9 h 10 min
